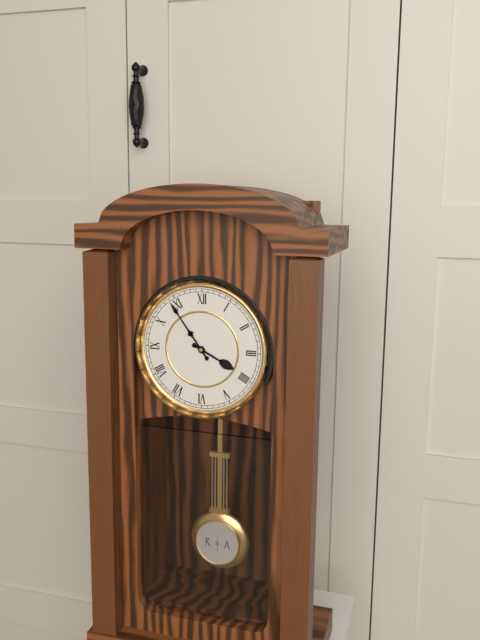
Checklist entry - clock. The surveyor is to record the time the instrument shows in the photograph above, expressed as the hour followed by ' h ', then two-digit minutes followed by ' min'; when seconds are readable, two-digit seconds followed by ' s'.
3 h 54 min
